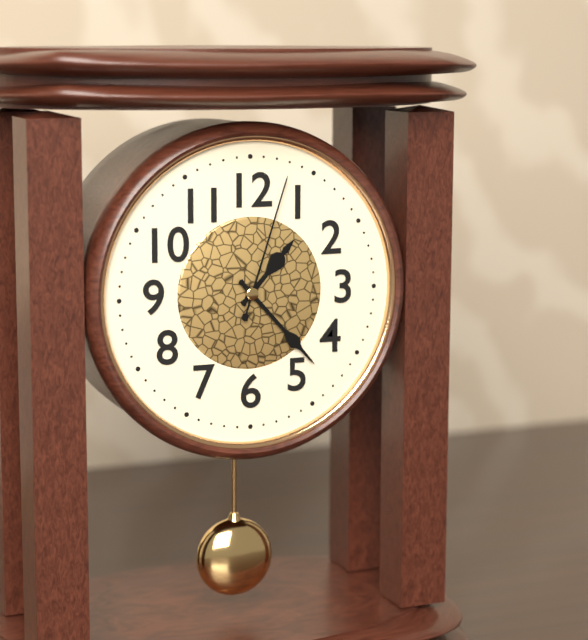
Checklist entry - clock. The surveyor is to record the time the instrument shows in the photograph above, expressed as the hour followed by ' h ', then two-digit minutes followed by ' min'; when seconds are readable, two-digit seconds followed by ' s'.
1 h 23 min 03 s
